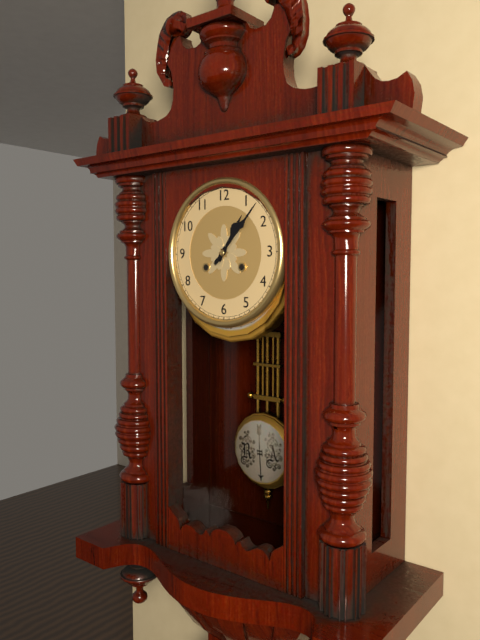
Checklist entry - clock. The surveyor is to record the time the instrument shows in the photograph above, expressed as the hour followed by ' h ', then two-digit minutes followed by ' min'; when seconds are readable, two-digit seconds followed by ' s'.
1 h 07 min
